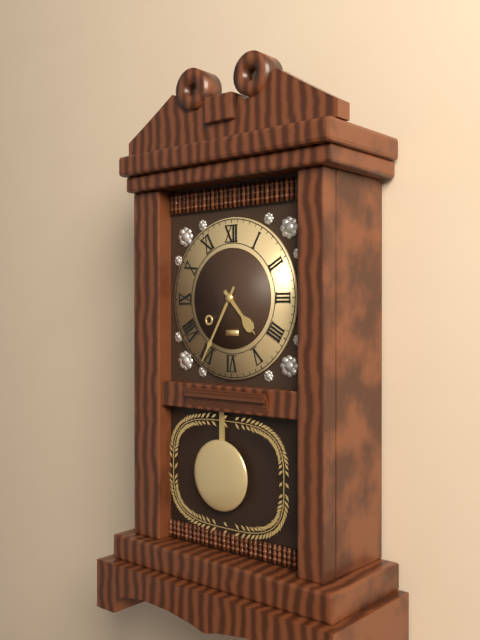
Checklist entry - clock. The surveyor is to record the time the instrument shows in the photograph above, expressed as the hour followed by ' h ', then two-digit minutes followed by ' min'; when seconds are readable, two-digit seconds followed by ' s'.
4 h 35 min
